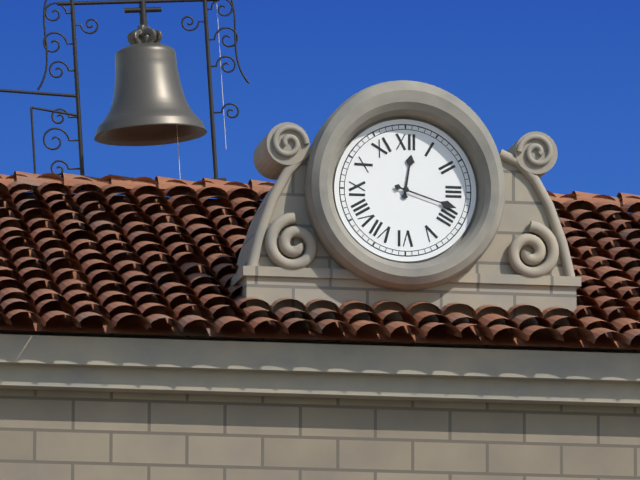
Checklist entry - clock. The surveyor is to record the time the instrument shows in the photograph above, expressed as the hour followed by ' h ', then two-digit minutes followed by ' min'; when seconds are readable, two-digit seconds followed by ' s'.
12 h 18 min
